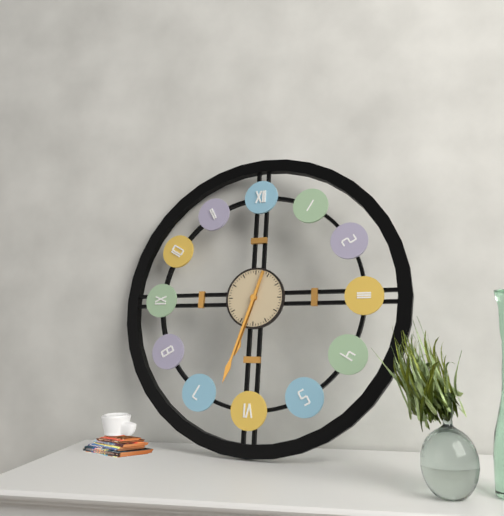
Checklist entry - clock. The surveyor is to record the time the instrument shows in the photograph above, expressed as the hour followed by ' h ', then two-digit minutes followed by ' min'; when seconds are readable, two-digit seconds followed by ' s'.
6 h 33 min
